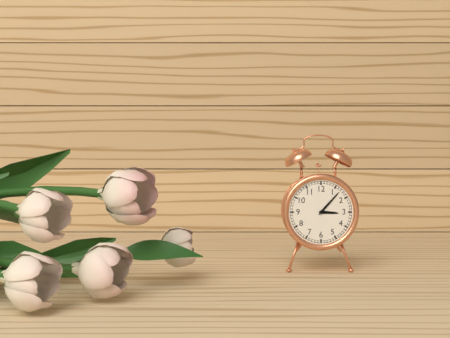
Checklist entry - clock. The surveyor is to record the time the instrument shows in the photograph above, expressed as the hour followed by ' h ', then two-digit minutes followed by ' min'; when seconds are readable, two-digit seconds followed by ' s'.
3 h 07 min
